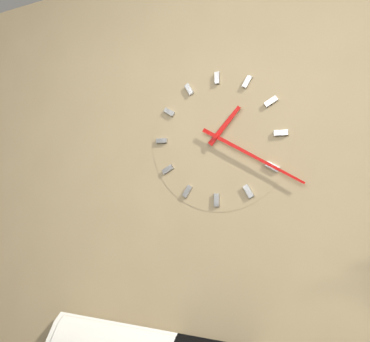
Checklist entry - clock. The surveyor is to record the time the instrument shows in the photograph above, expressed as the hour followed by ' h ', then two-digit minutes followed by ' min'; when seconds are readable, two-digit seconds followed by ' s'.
1 h 20 min
